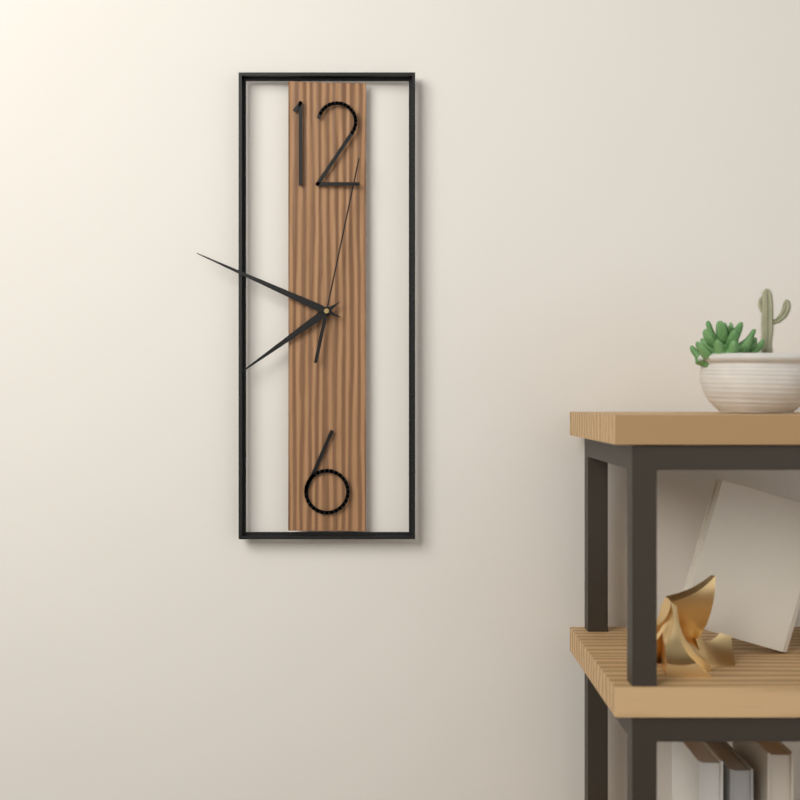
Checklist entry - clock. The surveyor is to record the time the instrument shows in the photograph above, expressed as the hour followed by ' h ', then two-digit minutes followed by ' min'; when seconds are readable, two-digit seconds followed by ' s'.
7 h 49 min 02 s
